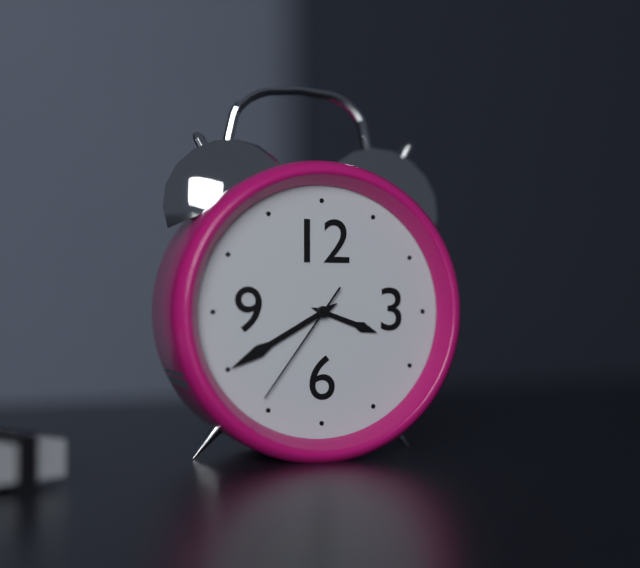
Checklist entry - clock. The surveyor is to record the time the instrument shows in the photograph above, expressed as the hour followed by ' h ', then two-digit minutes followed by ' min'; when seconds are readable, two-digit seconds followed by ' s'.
3 h 40 min 36 s
